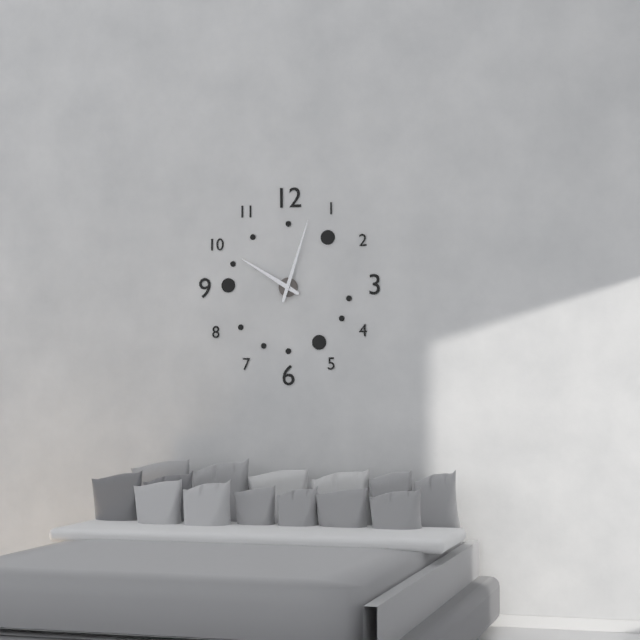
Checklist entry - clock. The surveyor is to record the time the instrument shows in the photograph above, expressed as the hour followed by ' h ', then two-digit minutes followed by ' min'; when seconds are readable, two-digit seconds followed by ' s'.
10 h 03 min
